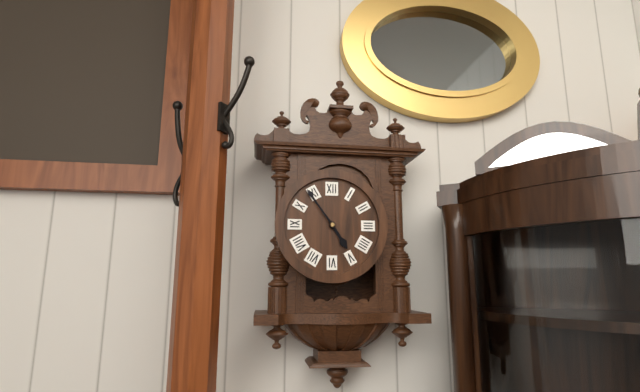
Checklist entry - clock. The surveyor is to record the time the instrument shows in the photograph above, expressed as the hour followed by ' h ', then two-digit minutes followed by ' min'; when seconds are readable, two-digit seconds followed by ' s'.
4 h 54 min
